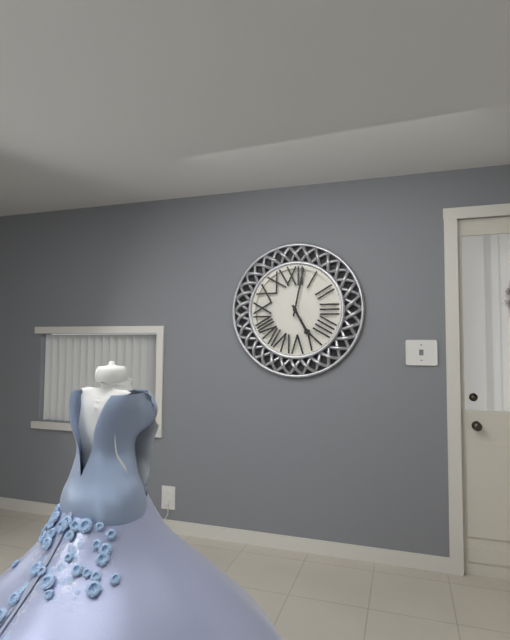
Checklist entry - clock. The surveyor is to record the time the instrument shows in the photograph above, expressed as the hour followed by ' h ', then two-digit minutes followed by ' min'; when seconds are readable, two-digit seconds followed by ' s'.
5 h 02 min
